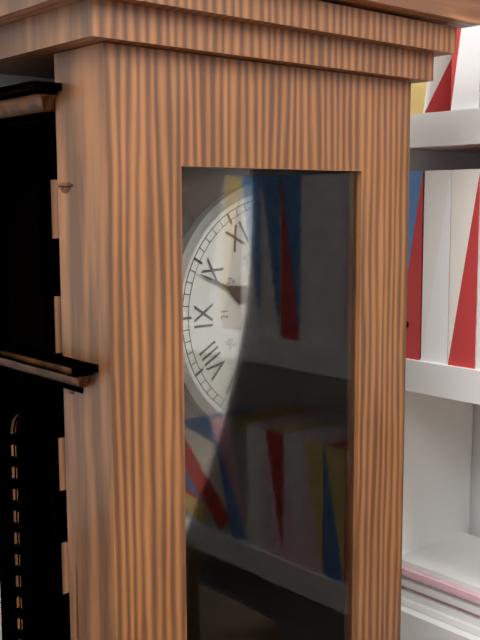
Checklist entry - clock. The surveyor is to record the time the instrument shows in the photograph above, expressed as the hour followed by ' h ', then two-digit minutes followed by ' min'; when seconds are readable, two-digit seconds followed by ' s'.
9 h 49 min
